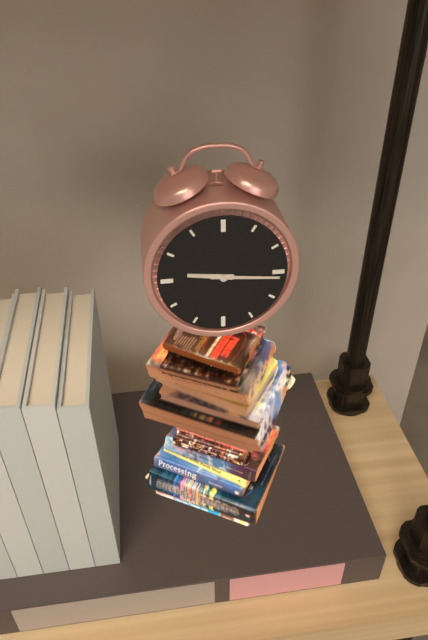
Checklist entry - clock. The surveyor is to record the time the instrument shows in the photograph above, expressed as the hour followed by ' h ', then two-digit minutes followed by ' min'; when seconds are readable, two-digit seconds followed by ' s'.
9 h 16 min
